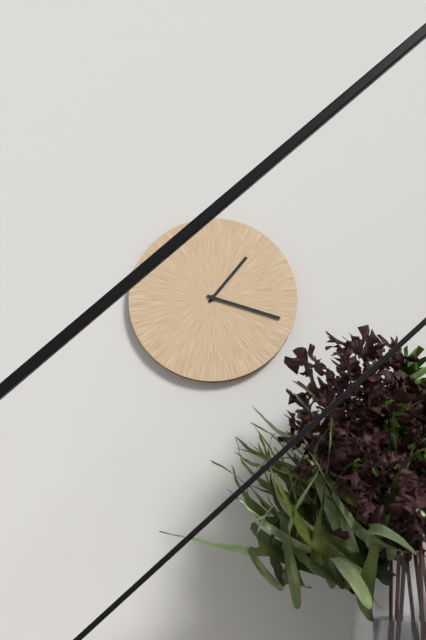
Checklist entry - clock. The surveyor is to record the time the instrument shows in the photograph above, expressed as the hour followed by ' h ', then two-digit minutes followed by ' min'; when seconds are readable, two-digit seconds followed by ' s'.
1 h 18 min
